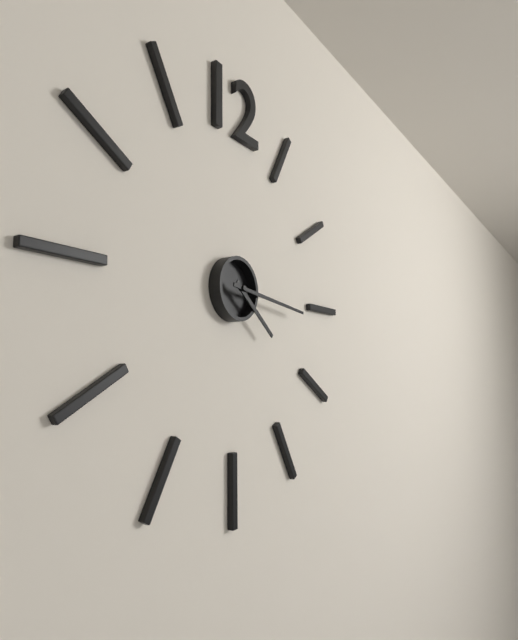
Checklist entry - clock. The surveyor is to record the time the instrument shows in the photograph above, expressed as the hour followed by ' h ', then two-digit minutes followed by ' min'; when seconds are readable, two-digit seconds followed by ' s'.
4 h 16 min
